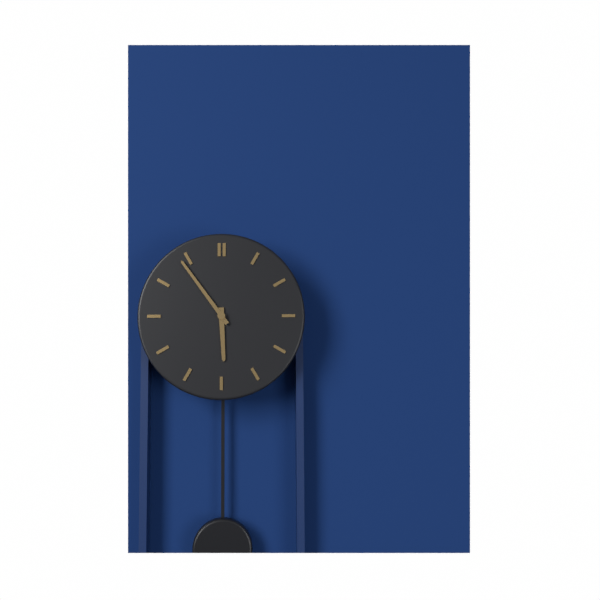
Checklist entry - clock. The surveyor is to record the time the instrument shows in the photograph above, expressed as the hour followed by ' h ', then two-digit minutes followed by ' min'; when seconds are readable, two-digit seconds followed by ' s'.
5 h 54 min
